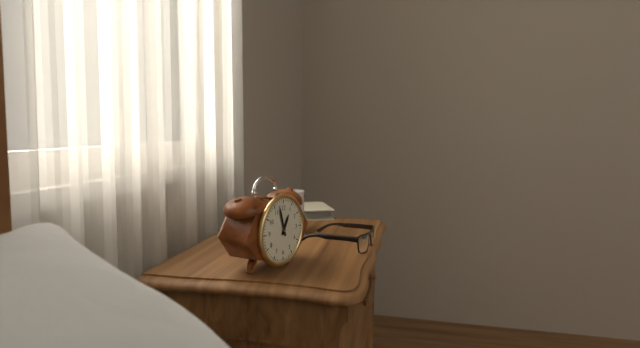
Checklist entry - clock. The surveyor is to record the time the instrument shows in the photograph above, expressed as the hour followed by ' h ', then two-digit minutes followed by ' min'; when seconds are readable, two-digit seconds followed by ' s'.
12 h 57 min
